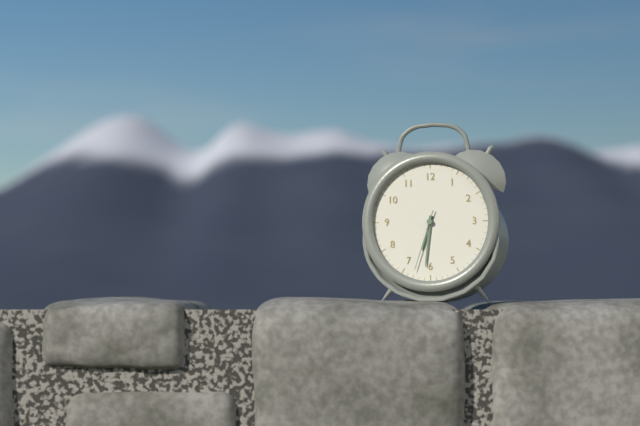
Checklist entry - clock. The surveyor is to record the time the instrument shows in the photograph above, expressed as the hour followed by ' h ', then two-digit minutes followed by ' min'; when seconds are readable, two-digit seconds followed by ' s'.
6 h 31 min 33 s
